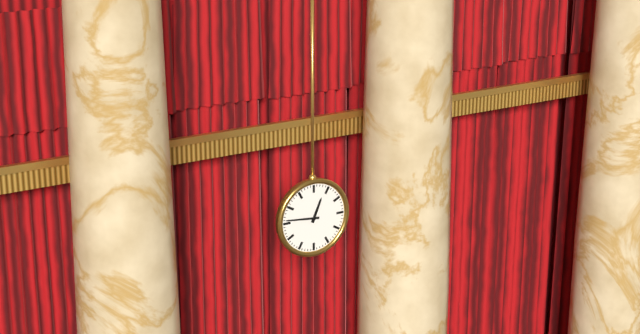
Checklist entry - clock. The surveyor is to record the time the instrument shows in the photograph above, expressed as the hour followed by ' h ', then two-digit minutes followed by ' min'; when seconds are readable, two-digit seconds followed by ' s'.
12 h 46 min
